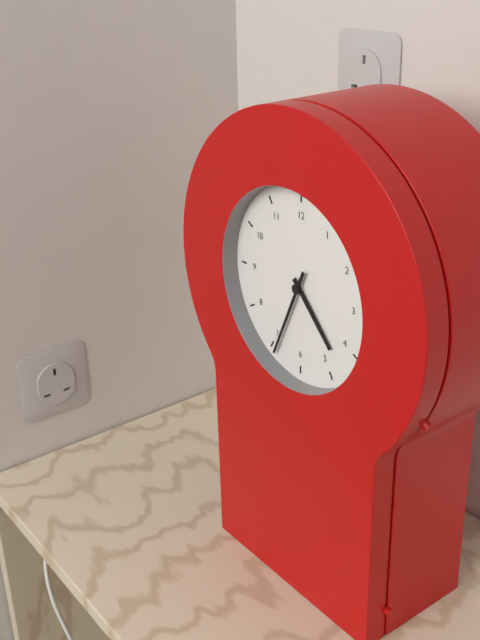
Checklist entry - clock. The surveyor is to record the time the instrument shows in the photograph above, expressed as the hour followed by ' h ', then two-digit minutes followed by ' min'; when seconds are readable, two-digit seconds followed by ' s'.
4 h 34 min
